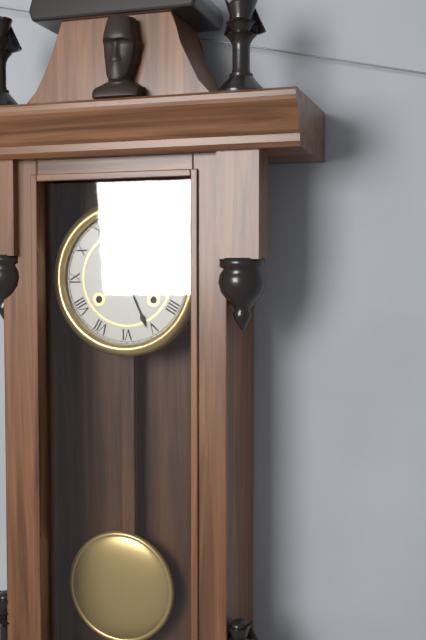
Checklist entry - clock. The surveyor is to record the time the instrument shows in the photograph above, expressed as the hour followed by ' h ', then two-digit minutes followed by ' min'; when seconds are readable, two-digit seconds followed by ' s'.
10 h 26 min
